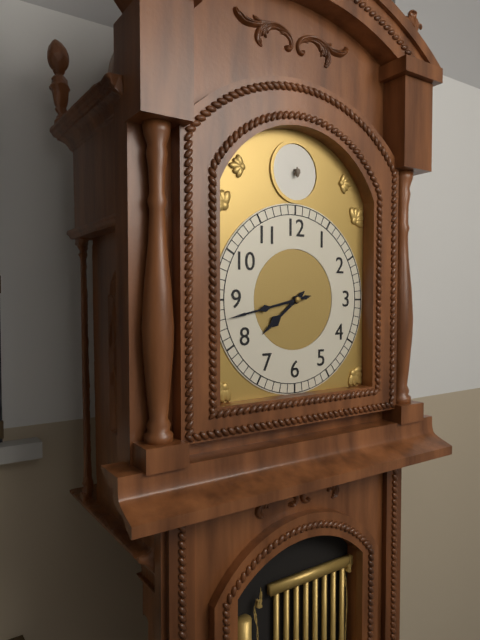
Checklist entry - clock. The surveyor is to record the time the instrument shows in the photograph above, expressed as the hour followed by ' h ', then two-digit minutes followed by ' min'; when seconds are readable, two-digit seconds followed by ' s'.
7 h 43 min
